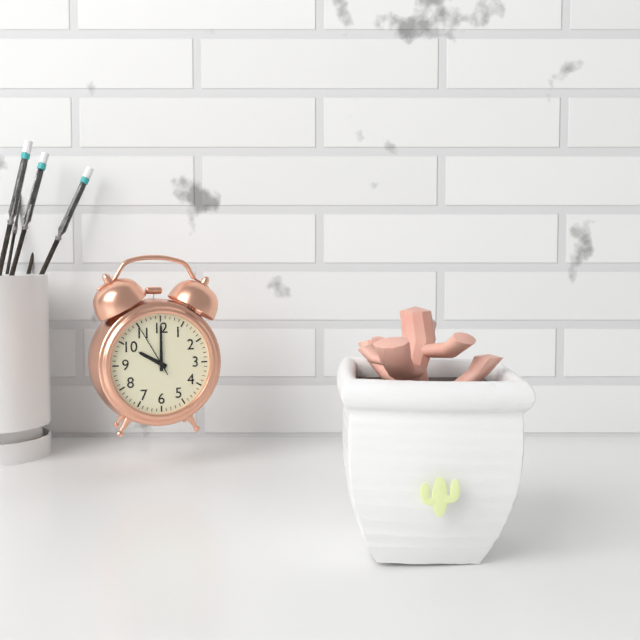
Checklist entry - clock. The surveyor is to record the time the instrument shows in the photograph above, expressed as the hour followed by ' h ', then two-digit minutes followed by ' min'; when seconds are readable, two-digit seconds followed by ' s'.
10 h 00 min 55 s
